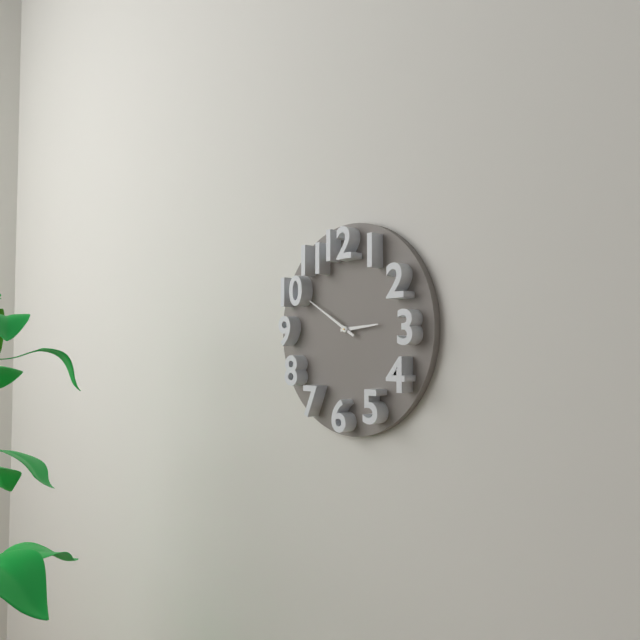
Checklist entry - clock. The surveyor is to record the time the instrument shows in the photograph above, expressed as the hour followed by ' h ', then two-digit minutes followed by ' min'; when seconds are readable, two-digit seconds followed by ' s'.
2 h 50 min
